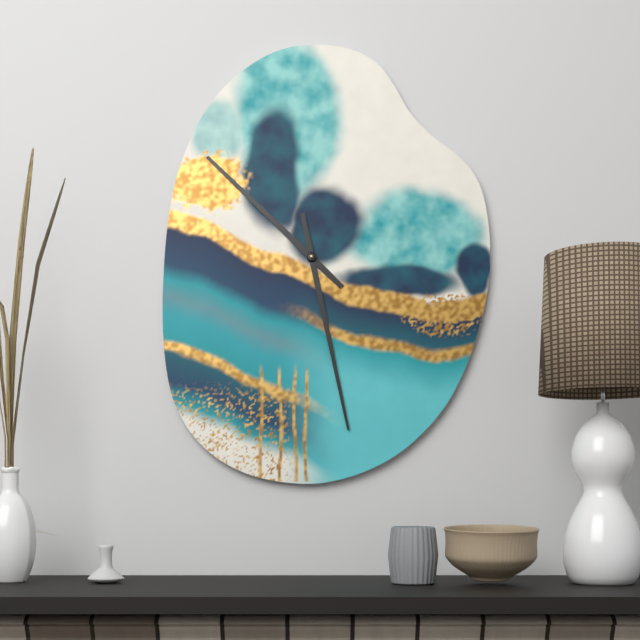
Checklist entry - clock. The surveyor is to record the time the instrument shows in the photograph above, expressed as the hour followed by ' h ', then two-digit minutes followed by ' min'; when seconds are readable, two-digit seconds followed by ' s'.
10 h 28 min
